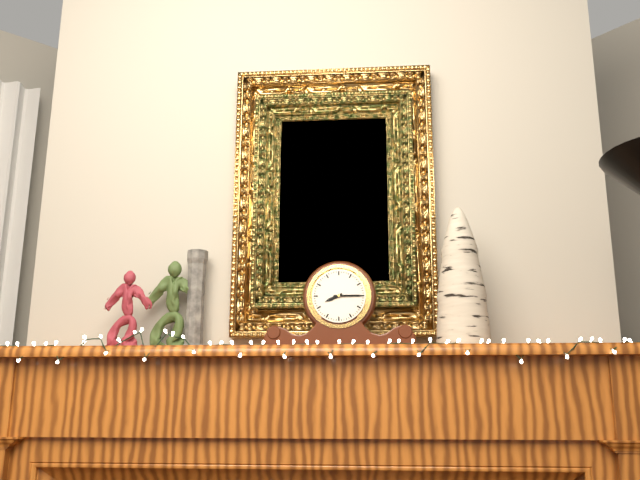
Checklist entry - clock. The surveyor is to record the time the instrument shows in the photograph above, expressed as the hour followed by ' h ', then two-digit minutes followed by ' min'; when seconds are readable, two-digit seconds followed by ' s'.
8 h 15 min
